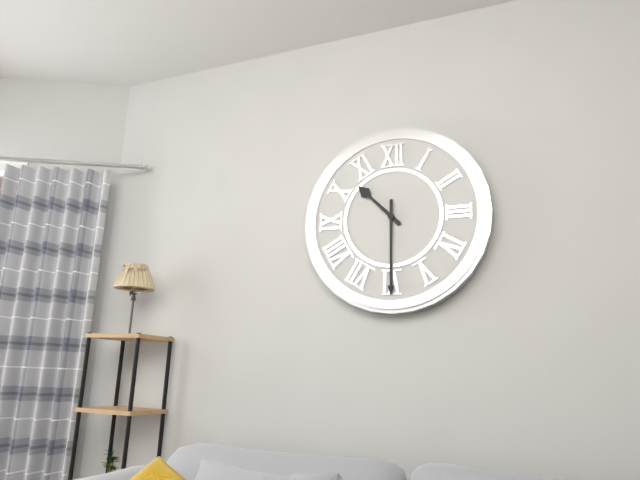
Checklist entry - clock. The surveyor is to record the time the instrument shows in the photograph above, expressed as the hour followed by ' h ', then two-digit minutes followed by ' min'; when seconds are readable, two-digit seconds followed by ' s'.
10 h 30 min
